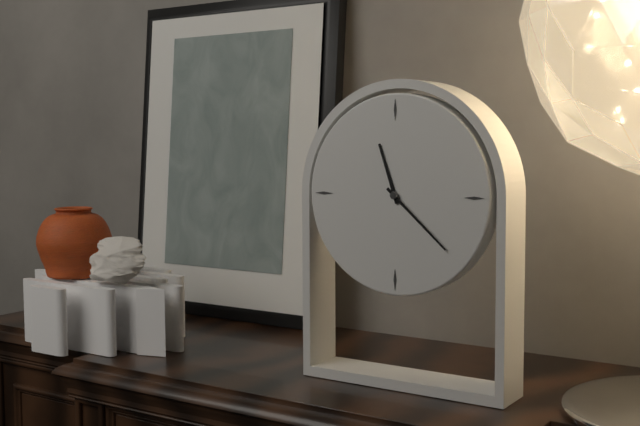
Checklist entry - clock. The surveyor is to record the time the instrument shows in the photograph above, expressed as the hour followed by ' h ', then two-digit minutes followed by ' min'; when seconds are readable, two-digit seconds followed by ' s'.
11 h 22 min
